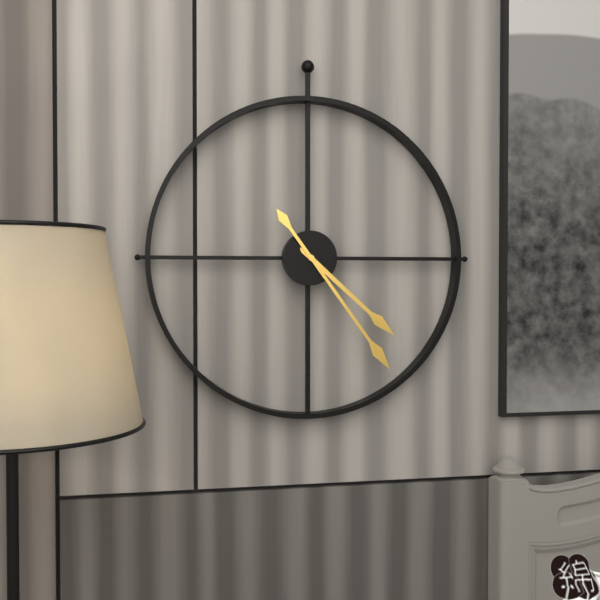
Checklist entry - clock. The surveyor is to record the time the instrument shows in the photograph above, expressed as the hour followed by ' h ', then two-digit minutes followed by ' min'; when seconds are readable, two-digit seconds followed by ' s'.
4 h 24 min
